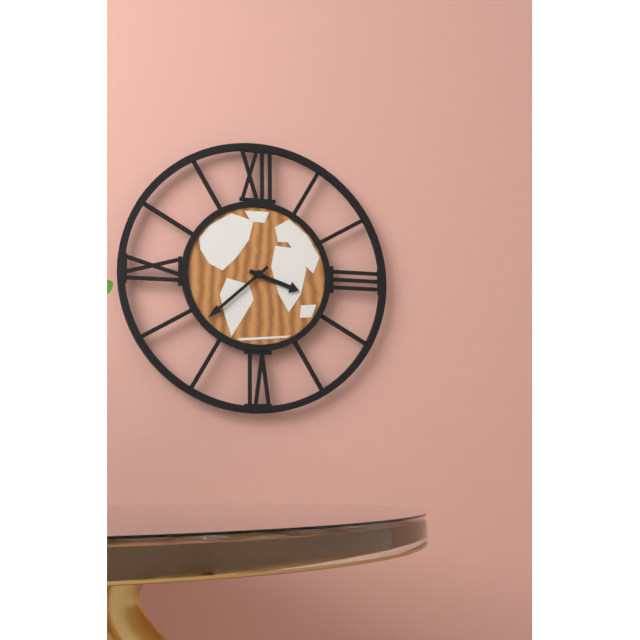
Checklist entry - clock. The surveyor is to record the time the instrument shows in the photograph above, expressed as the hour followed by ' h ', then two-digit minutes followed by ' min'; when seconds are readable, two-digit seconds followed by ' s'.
3 h 38 min
